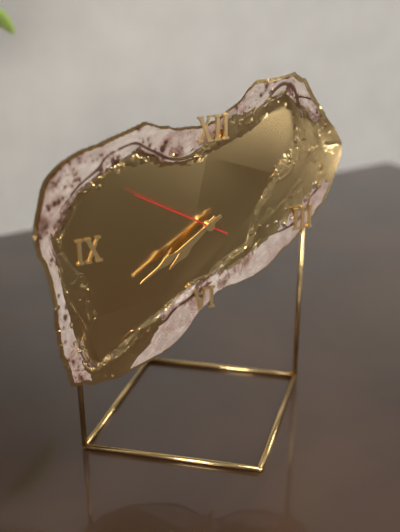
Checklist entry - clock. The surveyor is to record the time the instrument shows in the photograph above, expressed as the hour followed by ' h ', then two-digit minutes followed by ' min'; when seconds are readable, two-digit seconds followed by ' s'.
7 h 40 min 50 s
